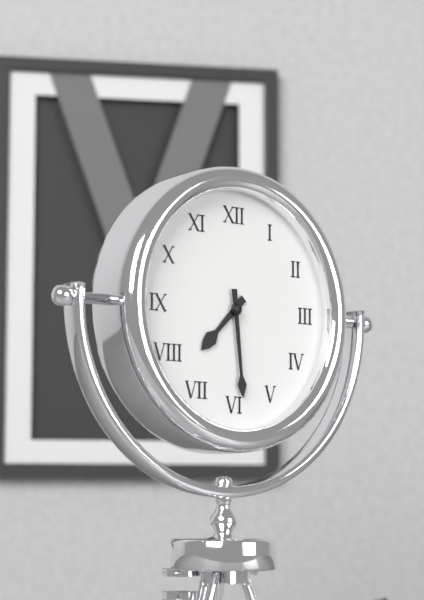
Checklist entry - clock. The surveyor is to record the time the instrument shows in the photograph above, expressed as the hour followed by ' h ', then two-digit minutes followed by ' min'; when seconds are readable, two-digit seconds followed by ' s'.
7 h 29 min
